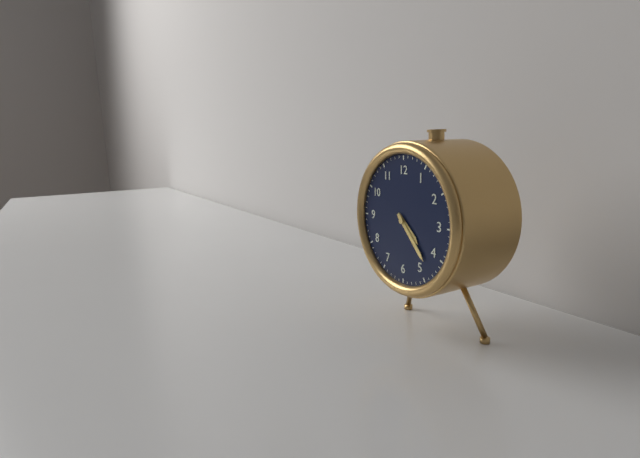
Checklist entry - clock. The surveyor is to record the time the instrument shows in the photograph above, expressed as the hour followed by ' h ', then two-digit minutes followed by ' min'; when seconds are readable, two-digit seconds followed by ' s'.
4 h 23 min
